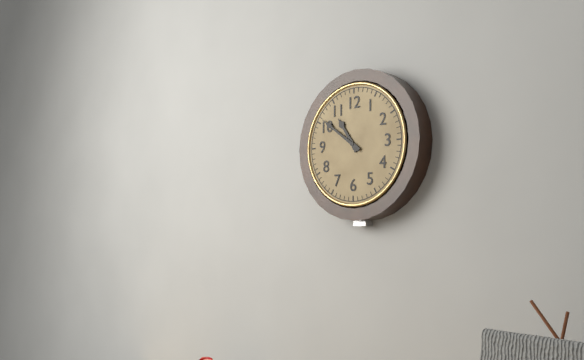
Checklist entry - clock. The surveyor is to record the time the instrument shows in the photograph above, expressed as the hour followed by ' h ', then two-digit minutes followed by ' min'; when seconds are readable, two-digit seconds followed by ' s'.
10 h 51 min
